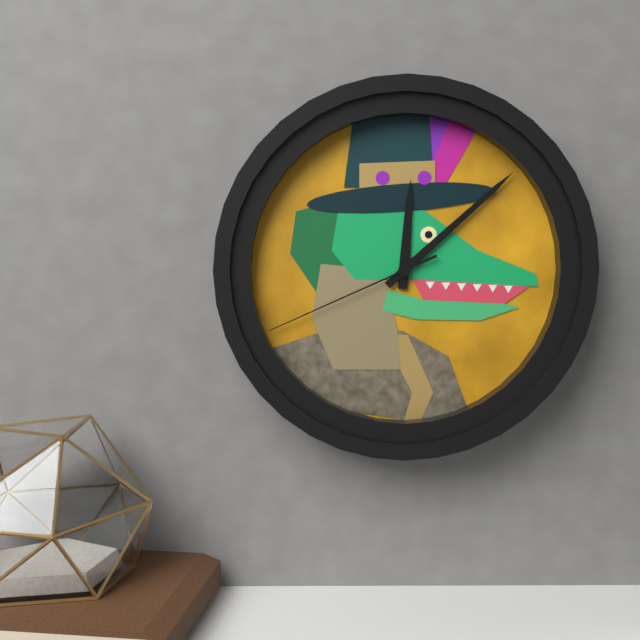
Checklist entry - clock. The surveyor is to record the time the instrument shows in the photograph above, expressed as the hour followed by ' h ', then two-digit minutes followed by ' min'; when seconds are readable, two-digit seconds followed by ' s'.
12 h 08 min 41 s
